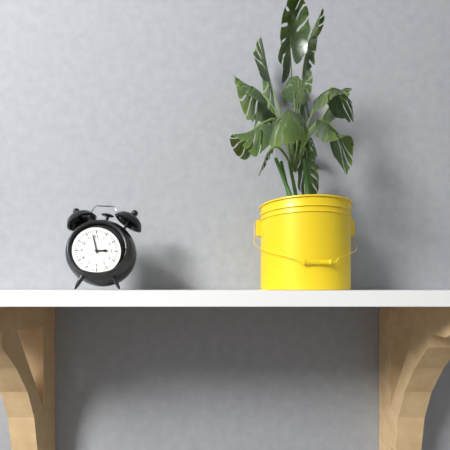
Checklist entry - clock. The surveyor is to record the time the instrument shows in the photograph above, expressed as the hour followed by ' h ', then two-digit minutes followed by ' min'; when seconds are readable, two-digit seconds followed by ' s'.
2 h 58 min
